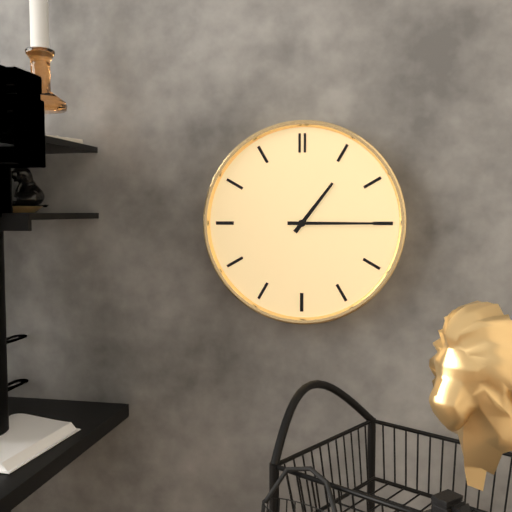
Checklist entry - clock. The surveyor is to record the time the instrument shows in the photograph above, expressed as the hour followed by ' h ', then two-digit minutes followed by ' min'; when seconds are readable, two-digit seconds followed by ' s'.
1 h 15 min
